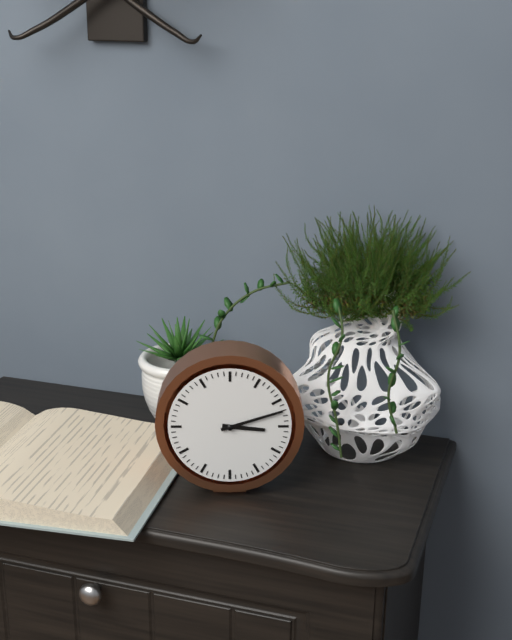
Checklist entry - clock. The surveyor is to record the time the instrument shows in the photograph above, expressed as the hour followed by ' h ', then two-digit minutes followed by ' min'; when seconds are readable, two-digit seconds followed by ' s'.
3 h 12 min
